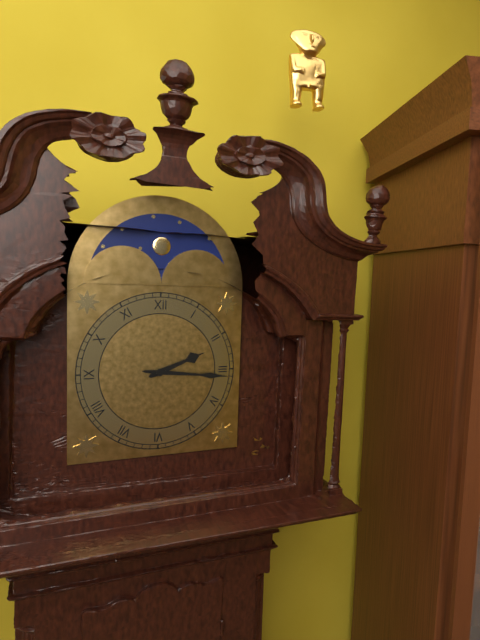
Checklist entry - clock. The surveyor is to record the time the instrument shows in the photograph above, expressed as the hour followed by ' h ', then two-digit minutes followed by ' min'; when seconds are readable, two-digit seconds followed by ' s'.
2 h 16 min
